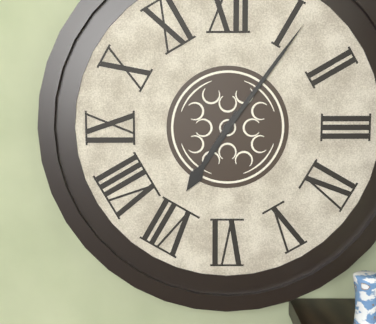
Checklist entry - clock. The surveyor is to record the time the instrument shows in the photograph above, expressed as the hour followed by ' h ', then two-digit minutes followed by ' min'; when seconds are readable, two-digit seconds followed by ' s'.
7 h 06 min
